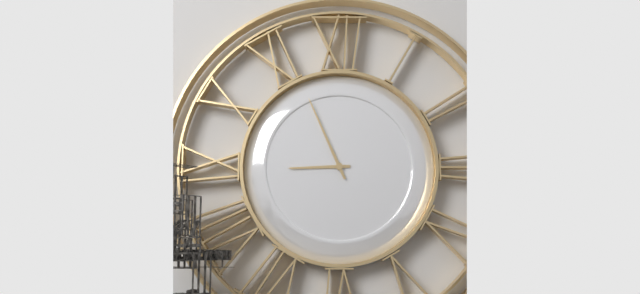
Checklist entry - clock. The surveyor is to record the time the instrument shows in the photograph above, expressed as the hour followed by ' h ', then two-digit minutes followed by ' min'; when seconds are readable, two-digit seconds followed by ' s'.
8 h 56 min
